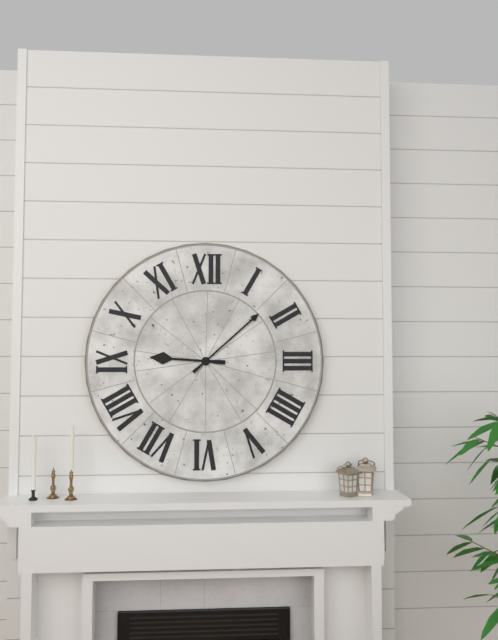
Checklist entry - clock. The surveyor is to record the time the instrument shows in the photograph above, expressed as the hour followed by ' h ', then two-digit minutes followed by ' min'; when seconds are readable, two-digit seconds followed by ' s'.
9 h 08 min
